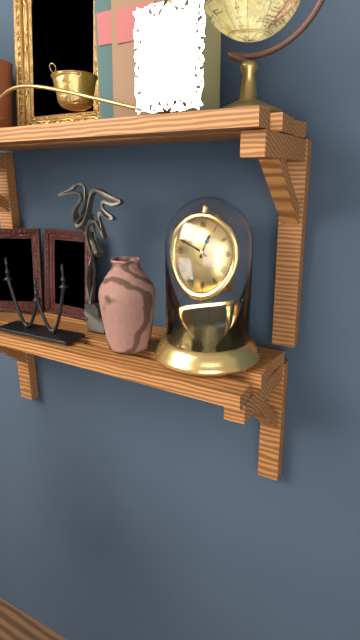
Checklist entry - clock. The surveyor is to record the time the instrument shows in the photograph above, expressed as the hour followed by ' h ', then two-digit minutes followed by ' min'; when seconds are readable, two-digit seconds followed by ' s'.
12 h 49 min
